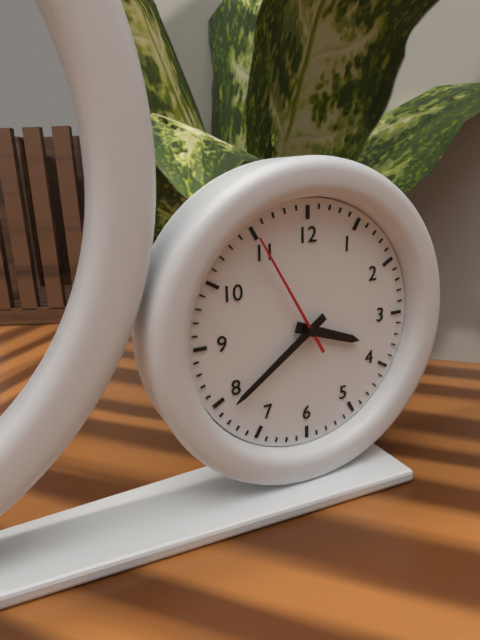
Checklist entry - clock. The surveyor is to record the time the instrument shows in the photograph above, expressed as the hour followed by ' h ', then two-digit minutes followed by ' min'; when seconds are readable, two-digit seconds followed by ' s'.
3 h 39 min 55 s
